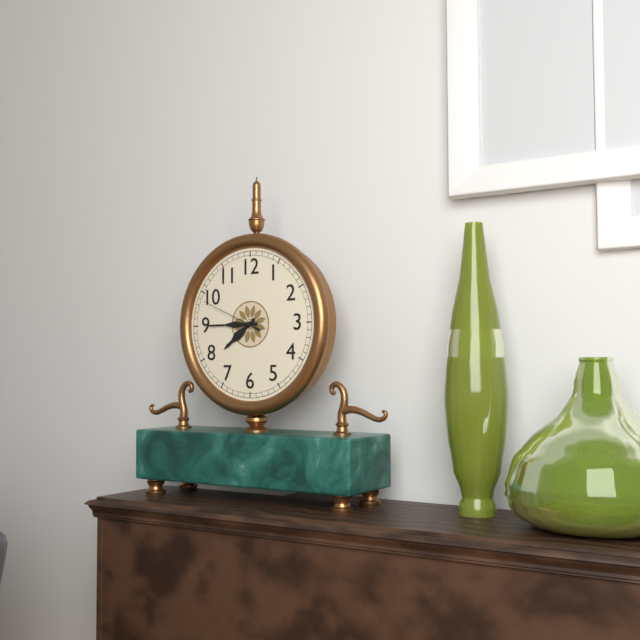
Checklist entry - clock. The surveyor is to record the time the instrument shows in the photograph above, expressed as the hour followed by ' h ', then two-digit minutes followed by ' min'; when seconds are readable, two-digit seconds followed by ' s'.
7 h 45 min 49 s
